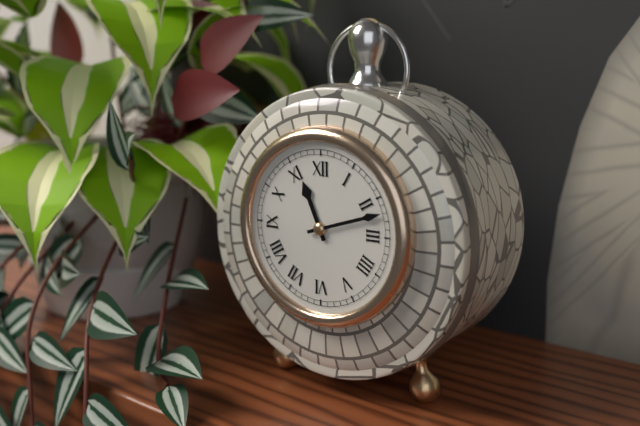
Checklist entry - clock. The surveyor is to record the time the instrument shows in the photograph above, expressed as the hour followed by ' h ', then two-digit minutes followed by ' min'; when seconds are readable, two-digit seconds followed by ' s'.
11 h 12 min
